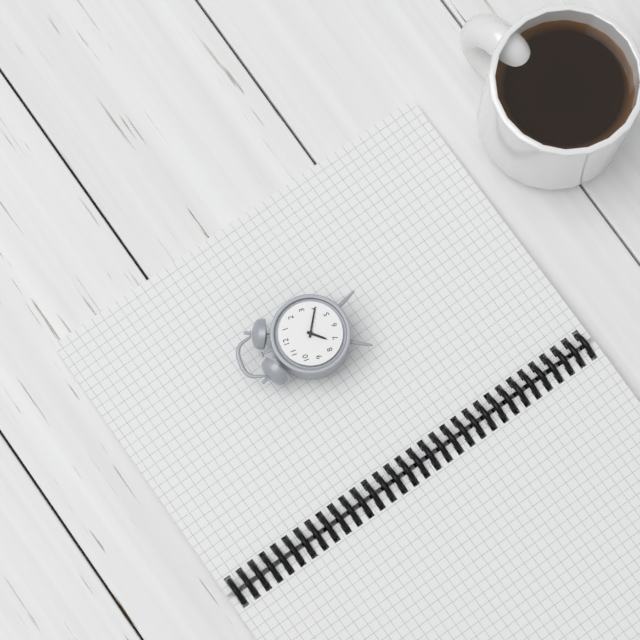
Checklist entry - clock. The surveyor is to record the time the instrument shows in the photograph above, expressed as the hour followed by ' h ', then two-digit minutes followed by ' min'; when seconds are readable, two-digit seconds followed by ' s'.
7 h 20 min
